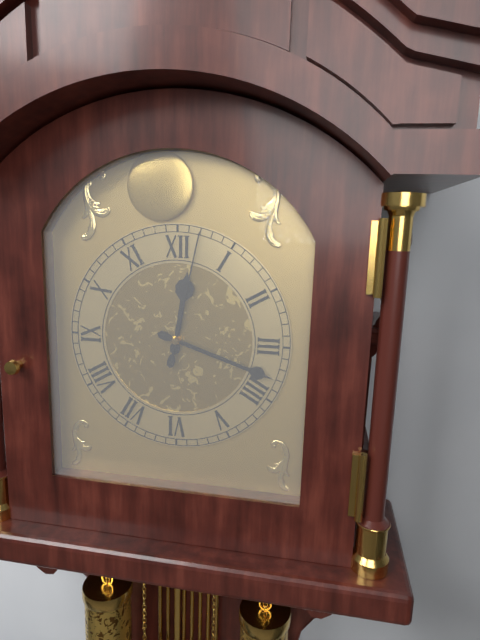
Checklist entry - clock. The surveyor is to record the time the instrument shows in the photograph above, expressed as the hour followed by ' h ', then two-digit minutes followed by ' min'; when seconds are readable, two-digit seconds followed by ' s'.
12 h 18 min 02 s
